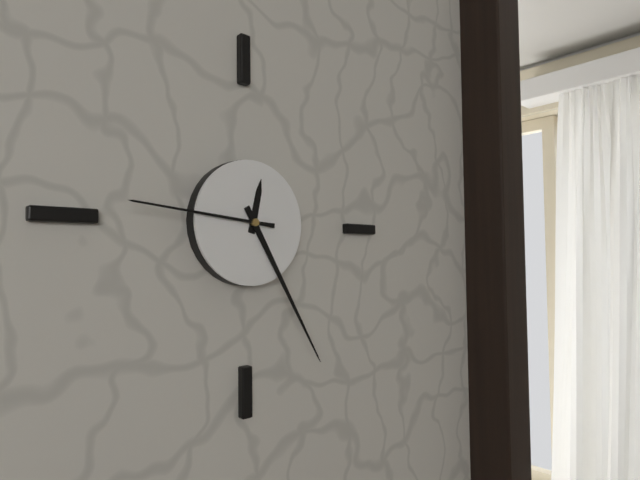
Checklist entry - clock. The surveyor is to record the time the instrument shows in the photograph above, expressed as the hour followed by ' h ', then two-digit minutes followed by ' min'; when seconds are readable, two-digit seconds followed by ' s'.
12 h 25 min 46 s
